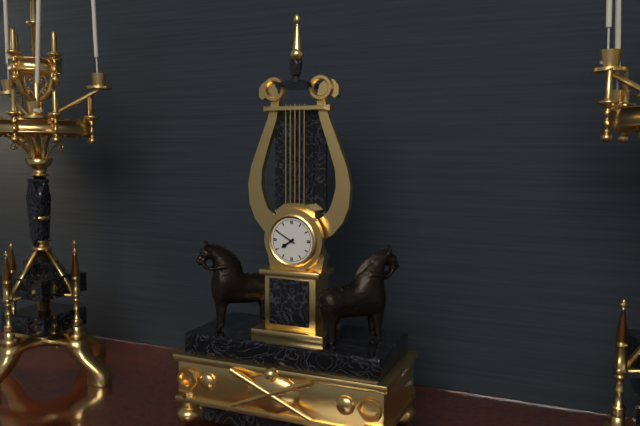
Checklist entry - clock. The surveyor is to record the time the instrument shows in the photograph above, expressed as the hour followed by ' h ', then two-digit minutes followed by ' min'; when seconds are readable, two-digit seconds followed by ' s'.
7 h 50 min
